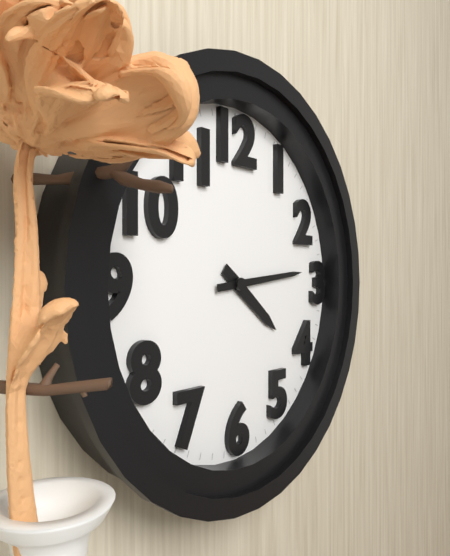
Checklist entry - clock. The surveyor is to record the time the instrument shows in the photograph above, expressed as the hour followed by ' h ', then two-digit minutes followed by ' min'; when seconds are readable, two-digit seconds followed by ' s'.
4 h 14 min
